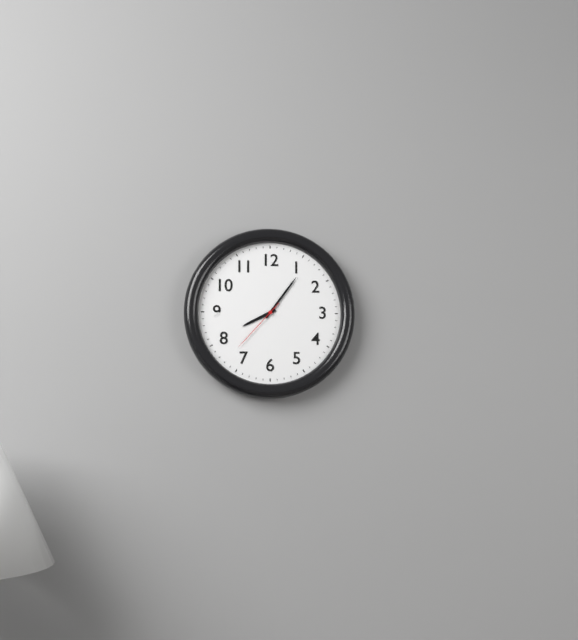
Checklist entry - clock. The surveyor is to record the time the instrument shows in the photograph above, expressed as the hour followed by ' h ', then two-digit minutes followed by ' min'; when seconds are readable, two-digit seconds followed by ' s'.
8 h 06 min 37 s
